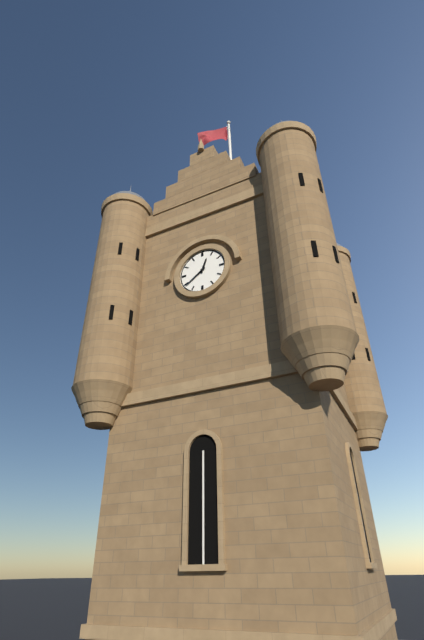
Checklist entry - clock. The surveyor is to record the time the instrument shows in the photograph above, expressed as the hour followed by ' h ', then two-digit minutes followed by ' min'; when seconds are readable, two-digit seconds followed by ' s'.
12 h 39 min
